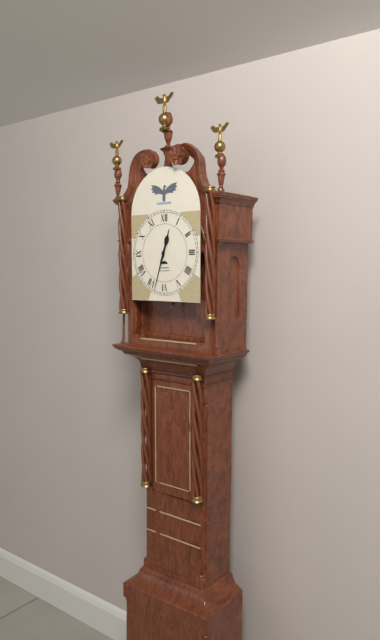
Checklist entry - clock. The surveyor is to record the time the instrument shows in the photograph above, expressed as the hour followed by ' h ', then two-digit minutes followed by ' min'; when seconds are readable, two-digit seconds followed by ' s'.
12 h 33 min
